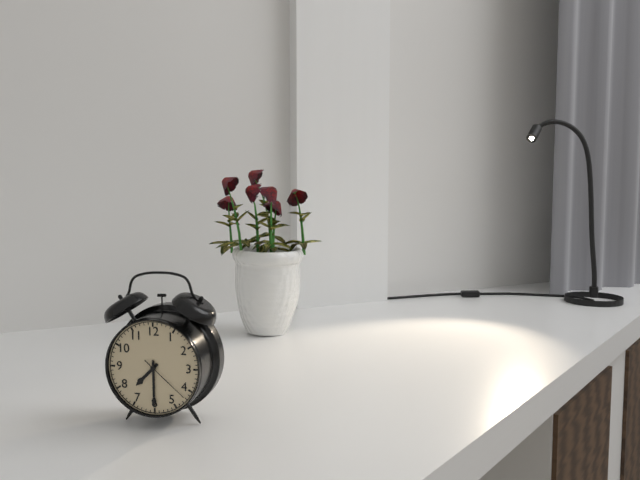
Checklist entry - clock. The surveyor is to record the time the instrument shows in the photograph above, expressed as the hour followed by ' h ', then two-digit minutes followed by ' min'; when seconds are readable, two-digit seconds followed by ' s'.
7 h 30 min 22 s
